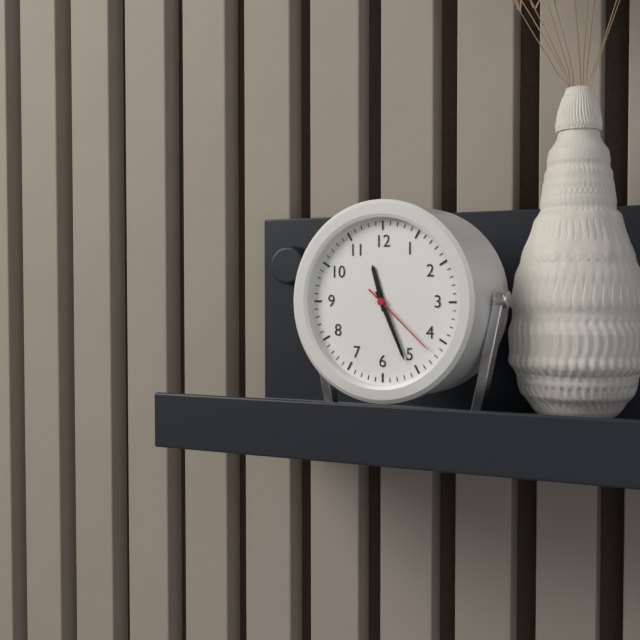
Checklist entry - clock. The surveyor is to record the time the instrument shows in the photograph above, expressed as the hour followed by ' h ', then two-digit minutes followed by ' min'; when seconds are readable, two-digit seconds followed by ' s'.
11 h 26 min 22 s
